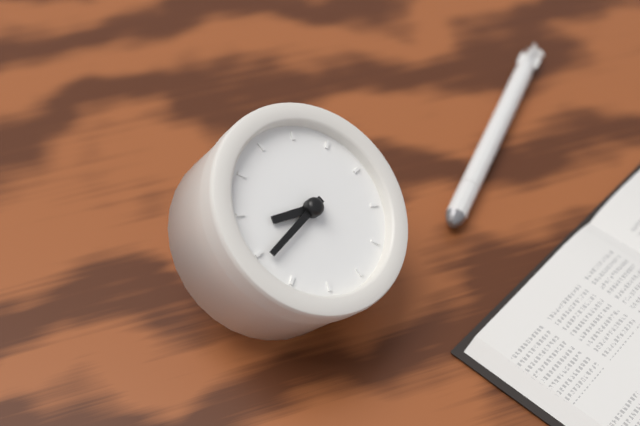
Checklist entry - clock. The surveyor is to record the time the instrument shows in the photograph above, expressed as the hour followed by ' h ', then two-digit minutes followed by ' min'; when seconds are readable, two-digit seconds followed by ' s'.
8 h 39 min
